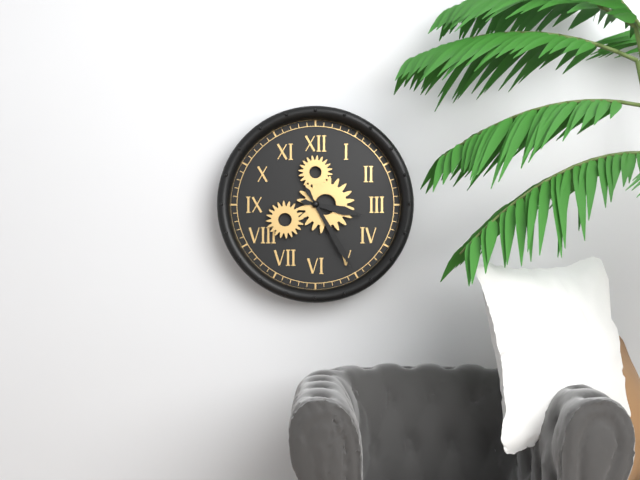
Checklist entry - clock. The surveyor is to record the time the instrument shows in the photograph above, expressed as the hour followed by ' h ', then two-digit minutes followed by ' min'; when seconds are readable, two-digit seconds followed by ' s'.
3 h 25 min
